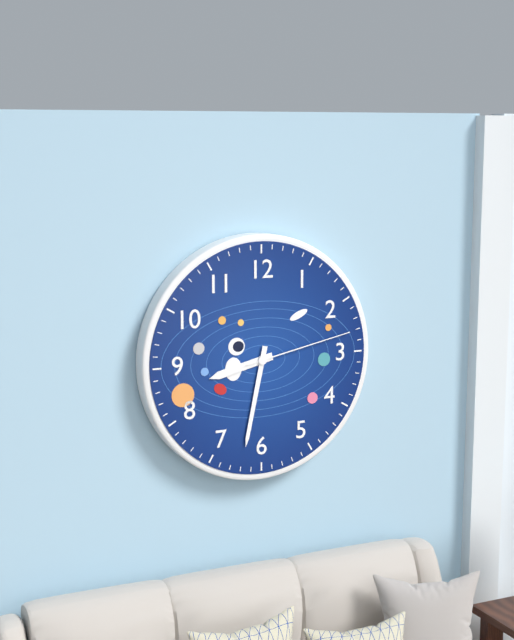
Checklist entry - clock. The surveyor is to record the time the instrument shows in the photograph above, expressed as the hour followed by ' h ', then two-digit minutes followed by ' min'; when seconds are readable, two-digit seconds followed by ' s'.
8 h 32 min 13 s
